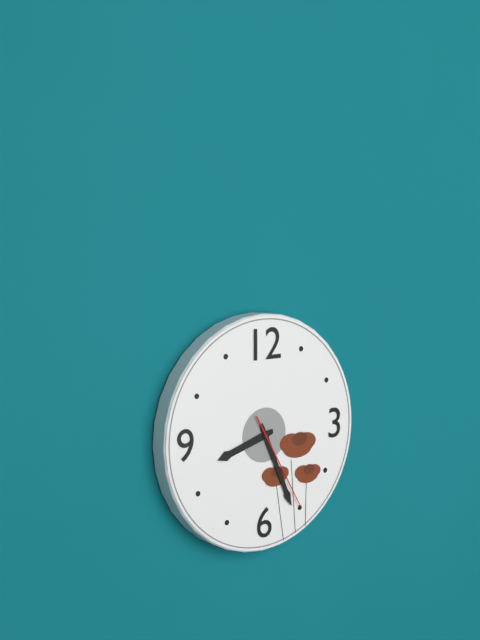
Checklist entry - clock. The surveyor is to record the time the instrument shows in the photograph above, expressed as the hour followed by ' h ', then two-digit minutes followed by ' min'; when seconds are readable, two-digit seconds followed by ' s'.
8 h 26 min 25 s
